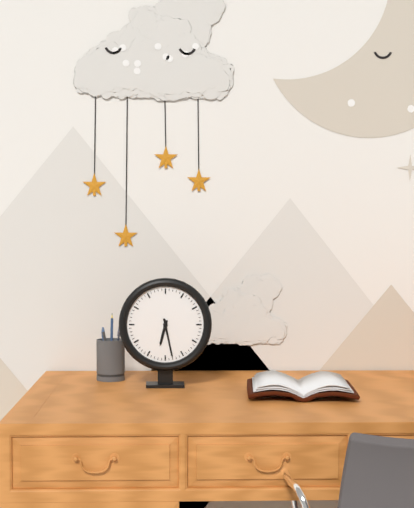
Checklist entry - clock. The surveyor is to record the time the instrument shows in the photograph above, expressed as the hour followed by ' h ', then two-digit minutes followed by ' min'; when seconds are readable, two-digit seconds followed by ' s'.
6 h 28 min
